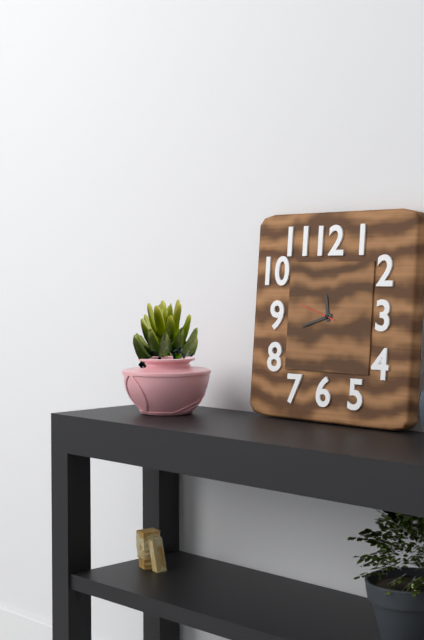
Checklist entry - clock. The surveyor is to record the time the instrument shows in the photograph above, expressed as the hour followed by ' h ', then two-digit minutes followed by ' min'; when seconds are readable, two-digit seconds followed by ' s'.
11 h 42 min
